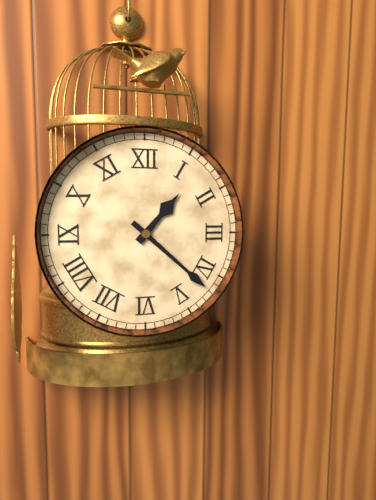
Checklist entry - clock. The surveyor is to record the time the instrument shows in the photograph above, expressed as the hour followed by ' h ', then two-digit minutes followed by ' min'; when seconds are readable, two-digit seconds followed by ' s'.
1 h 22 min
